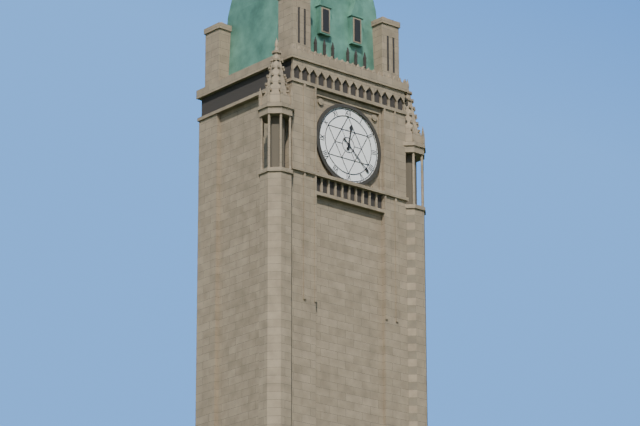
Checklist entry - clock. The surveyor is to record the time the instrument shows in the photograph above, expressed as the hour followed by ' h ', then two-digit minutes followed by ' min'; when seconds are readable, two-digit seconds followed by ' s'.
12 h 22 min
